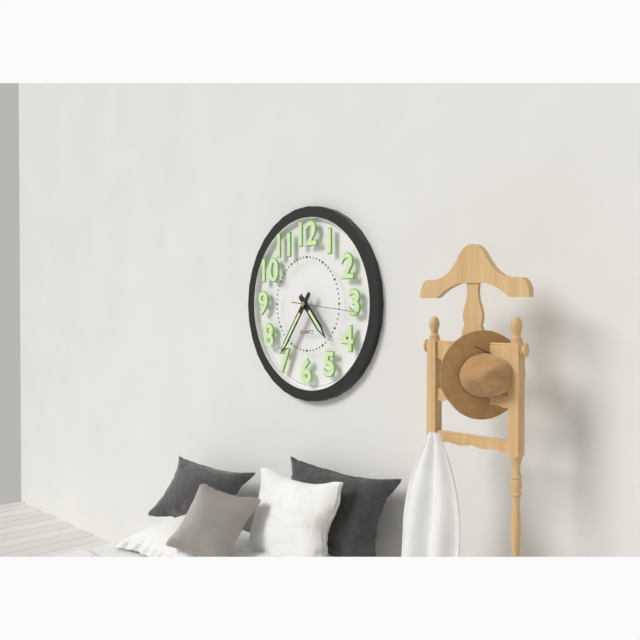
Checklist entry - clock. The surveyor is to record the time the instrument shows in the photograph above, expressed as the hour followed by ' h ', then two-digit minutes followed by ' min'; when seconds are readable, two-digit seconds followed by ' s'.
4 h 36 min 16 s
